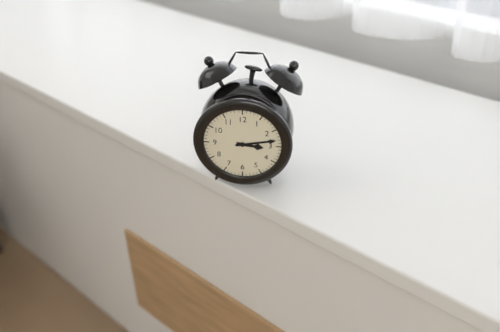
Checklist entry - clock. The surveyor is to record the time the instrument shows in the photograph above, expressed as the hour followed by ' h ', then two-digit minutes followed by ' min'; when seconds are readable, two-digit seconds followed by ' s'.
3 h 13 min
